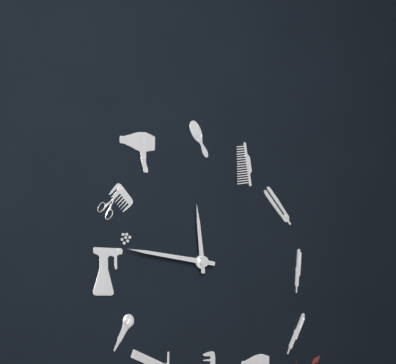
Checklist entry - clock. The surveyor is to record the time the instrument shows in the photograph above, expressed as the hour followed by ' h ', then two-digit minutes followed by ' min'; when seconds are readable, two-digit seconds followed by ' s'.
11 h 46 min
